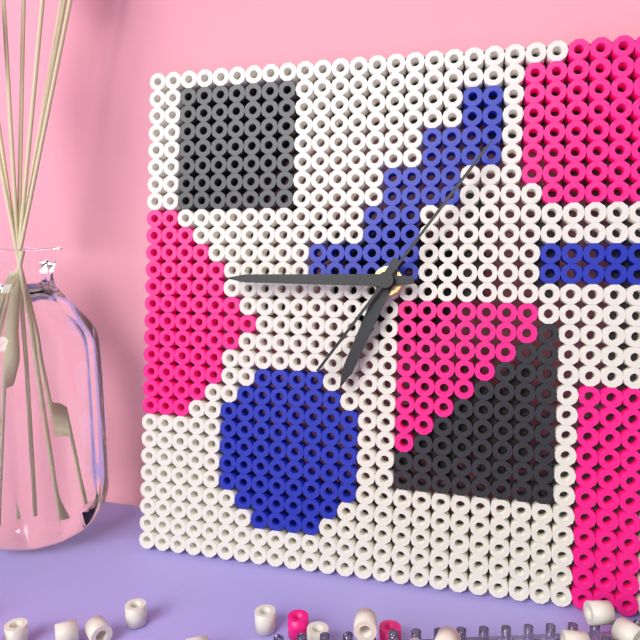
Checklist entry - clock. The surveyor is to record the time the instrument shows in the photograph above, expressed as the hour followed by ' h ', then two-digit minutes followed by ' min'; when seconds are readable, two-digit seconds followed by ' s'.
6 h 45 min 06 s
